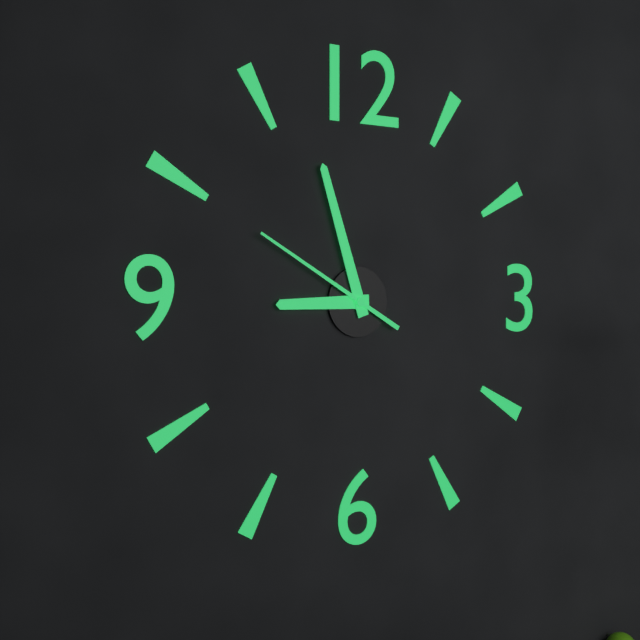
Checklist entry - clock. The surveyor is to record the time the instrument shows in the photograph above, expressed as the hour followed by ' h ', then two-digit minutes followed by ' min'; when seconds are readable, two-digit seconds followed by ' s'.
8 h 57 min 50 s
